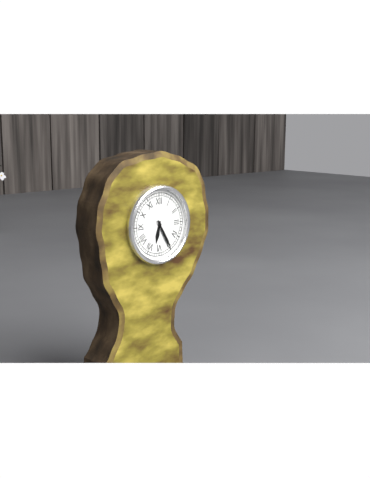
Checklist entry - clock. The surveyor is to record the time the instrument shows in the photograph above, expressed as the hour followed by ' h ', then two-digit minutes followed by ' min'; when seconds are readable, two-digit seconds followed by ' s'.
6 h 25 min
